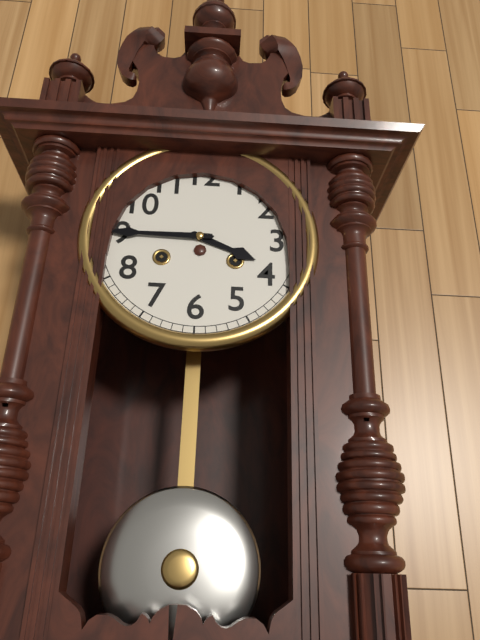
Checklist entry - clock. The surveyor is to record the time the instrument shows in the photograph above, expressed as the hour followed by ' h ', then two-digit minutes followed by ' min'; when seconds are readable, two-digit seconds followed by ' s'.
3 h 45 min
